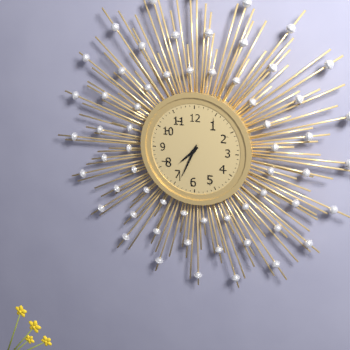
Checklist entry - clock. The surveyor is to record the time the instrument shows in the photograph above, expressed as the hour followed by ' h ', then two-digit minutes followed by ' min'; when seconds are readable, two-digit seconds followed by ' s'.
7 h 34 min
